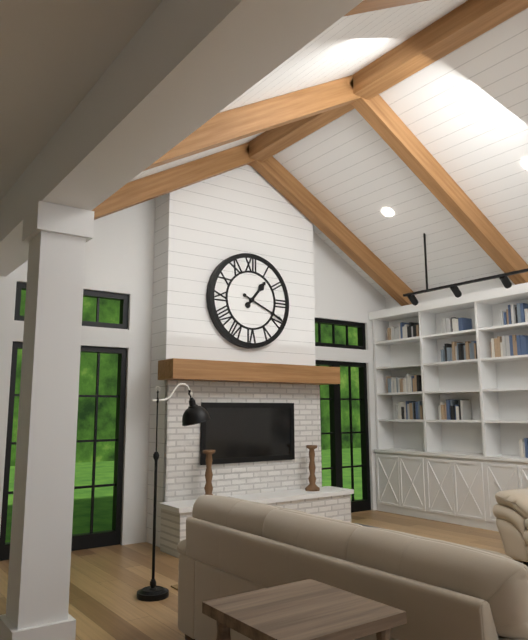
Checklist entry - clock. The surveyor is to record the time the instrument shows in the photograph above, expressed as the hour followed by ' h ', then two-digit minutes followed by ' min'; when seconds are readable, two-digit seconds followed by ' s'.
1 h 19 min
